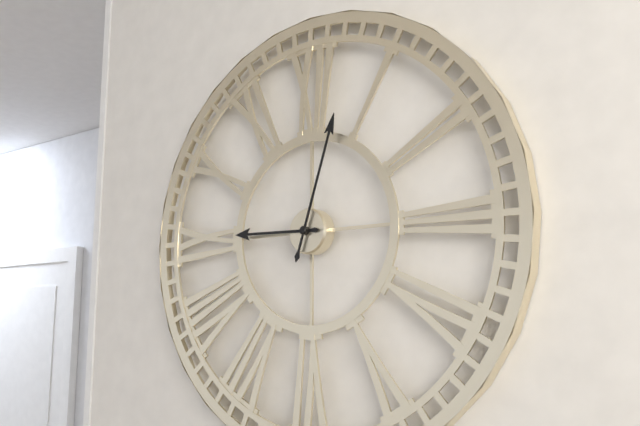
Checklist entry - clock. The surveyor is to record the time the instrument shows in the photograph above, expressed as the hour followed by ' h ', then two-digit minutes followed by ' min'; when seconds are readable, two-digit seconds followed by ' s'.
9 h 03 min
